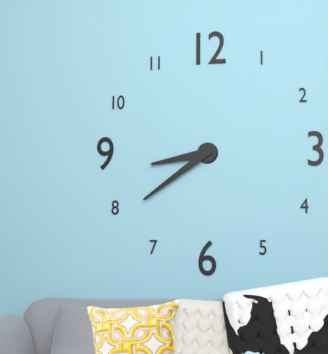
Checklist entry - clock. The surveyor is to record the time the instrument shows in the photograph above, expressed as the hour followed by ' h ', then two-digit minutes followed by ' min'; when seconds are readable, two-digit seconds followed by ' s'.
8 h 39 min
